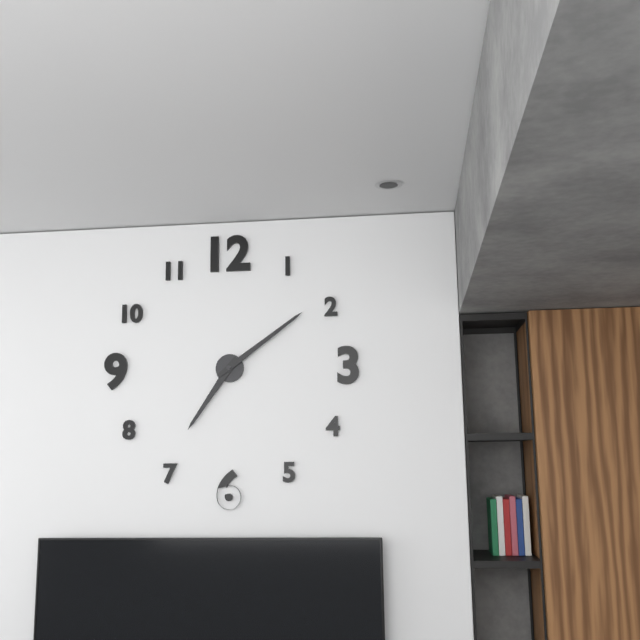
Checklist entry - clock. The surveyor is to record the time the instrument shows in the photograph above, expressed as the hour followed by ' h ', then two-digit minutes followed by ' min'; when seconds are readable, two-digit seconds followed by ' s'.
7 h 09 min
